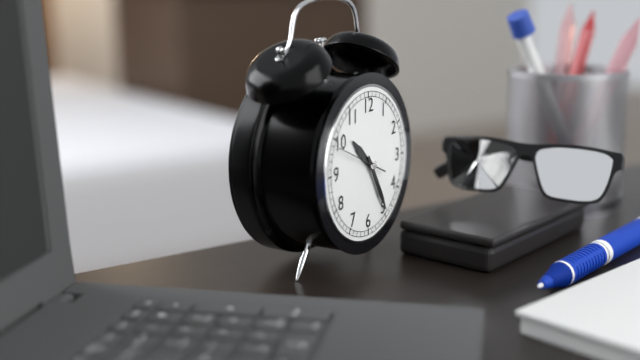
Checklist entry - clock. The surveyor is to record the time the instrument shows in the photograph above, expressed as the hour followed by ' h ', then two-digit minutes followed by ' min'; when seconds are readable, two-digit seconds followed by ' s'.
10 h 25 min
